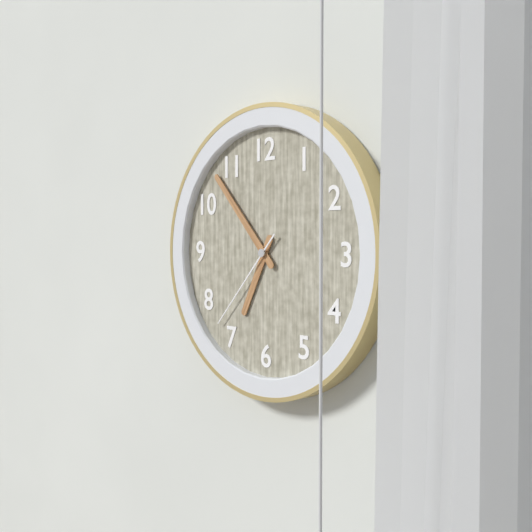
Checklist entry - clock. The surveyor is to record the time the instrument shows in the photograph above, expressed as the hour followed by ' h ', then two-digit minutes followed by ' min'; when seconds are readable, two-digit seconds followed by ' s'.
6 h 53 min 37 s
